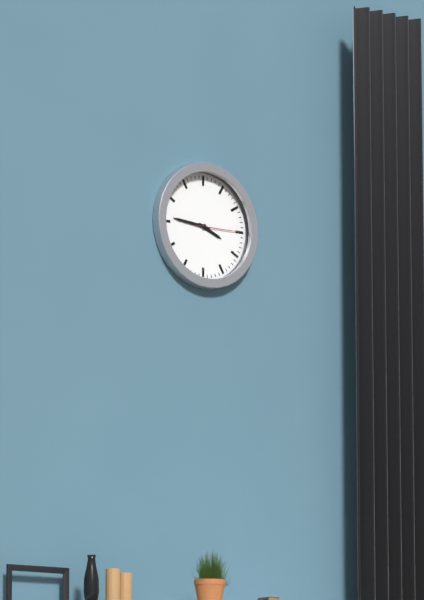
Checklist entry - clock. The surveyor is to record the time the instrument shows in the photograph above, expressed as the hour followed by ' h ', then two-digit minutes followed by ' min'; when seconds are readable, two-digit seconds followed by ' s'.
3 h 46 min
